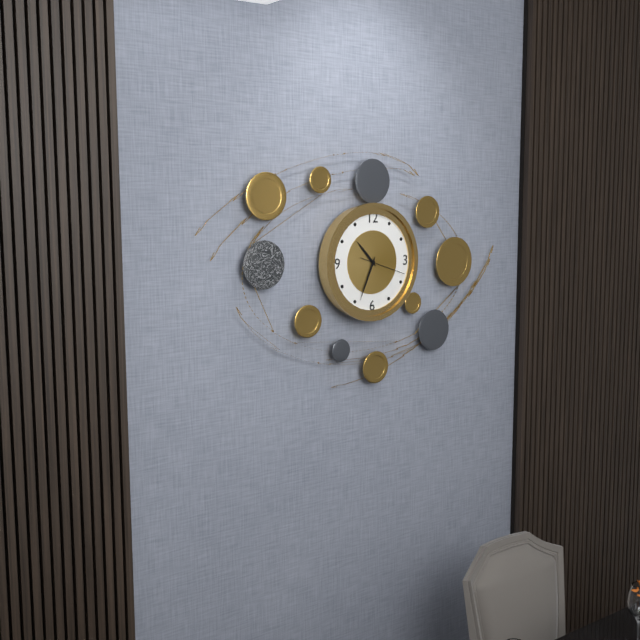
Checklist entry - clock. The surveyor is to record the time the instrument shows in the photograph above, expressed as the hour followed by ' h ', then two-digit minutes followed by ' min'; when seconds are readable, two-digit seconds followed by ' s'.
10 h 34 min
